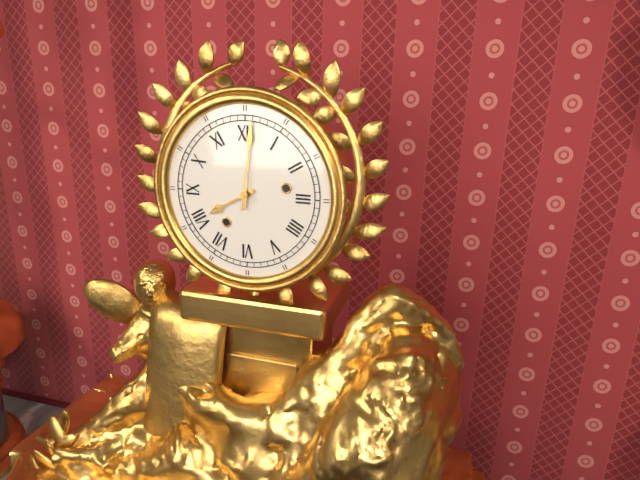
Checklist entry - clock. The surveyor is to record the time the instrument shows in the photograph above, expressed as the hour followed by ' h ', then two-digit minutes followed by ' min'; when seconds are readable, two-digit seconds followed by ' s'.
8 h 01 min
